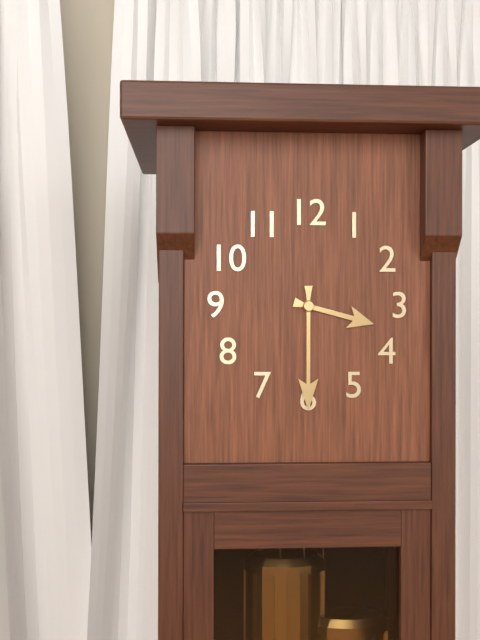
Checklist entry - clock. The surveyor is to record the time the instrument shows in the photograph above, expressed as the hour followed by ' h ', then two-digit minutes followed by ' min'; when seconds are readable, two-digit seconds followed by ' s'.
3 h 30 min
